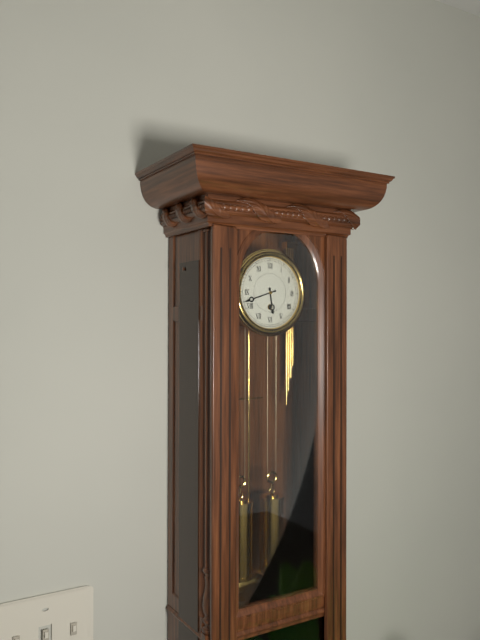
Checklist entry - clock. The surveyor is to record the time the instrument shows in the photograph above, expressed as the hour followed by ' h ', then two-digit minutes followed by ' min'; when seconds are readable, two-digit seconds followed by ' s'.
5 h 42 min
